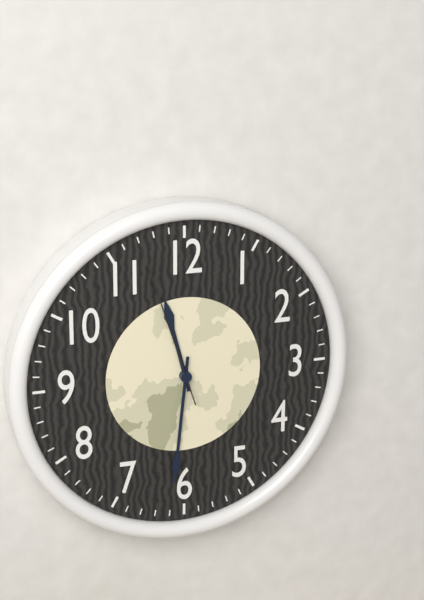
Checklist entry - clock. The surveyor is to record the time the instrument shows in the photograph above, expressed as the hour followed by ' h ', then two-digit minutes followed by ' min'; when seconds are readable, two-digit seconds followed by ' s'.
11 h 31 min 57 s
